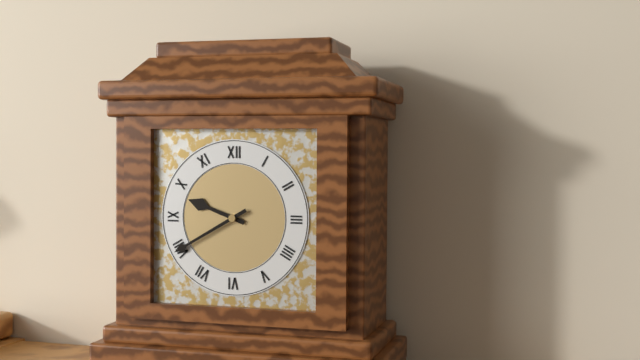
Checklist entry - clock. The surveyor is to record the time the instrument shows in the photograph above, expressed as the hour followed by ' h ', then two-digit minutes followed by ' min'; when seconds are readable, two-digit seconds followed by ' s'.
9 h 40 min
